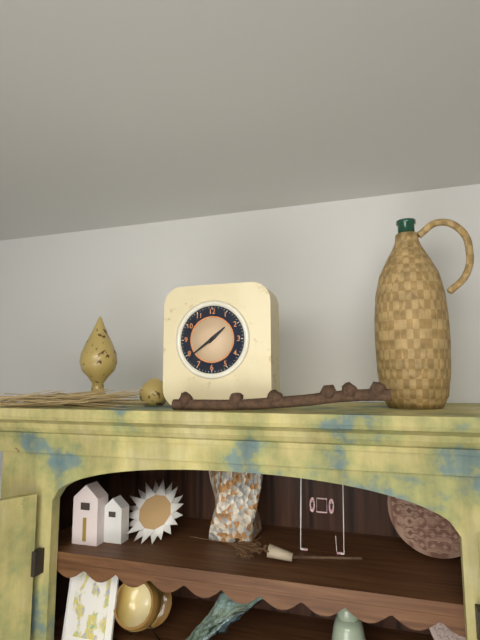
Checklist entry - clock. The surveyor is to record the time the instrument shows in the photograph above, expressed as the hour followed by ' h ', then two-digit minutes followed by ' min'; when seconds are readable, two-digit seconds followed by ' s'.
1 h 39 min
